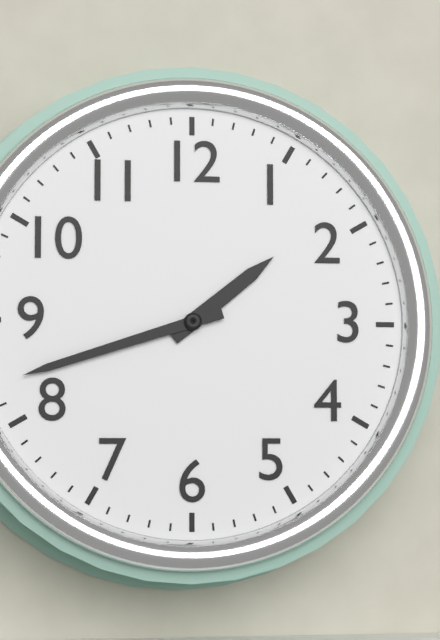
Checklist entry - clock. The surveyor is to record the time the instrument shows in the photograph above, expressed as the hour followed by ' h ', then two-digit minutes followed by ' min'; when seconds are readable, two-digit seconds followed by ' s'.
1 h 42 min
